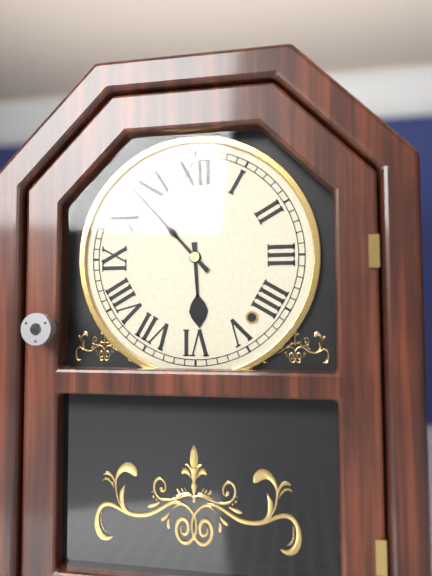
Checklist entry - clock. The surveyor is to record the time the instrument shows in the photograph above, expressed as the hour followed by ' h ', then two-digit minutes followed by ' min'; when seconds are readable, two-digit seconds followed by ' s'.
5 h 53 min
